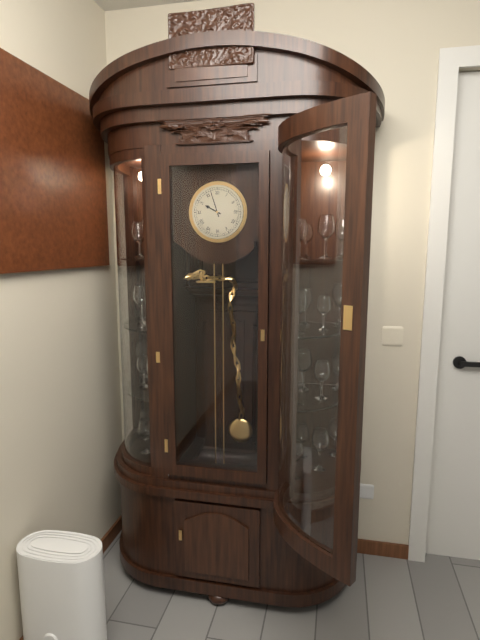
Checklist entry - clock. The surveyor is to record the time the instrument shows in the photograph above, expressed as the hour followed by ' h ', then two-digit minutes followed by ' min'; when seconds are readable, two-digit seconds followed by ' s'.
9 h 57 min
